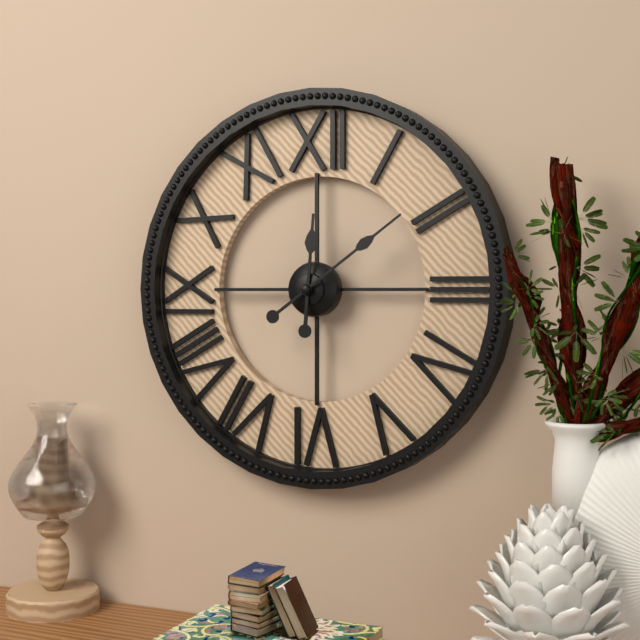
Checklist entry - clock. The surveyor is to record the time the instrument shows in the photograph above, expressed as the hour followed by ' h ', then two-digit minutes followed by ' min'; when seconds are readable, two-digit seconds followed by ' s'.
12 h 09 min
